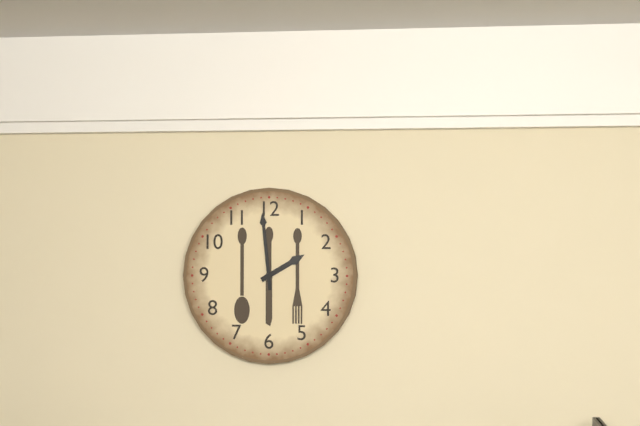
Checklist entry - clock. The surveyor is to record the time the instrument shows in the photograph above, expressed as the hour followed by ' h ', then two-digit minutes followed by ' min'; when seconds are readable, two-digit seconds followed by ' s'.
1 h 59 min
